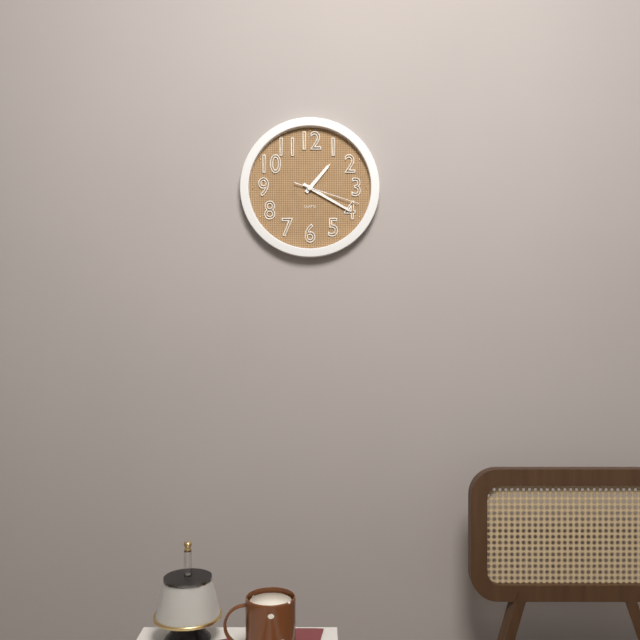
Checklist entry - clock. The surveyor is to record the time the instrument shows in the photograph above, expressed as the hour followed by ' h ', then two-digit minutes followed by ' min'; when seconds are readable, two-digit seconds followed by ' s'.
1 h 20 min 18 s
